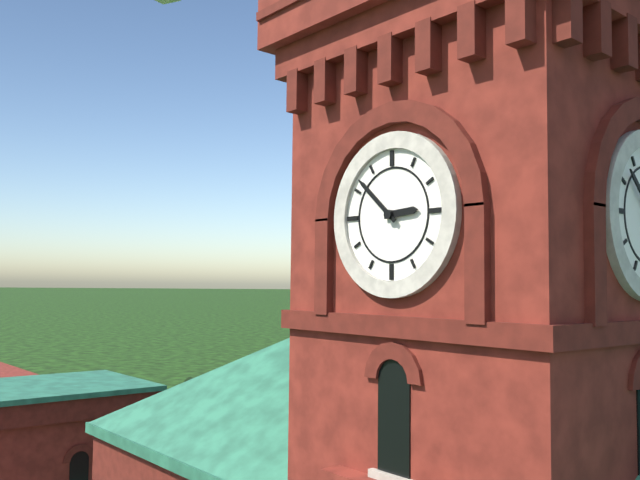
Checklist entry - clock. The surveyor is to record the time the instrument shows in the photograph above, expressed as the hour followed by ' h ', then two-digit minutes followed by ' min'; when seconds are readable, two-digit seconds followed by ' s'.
2 h 52 min
